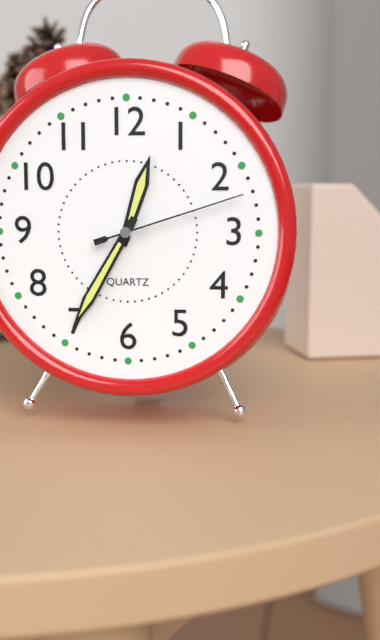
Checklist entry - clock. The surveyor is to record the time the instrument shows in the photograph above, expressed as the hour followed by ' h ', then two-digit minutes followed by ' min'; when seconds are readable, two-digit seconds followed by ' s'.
12 h 35 min 12 s
